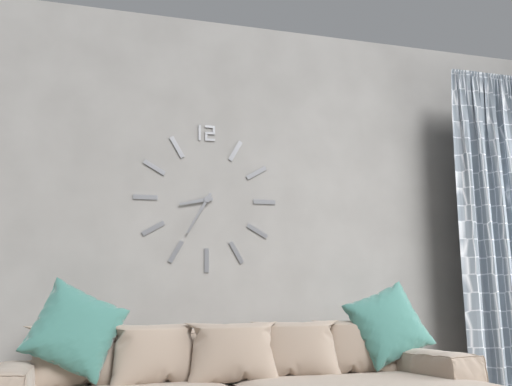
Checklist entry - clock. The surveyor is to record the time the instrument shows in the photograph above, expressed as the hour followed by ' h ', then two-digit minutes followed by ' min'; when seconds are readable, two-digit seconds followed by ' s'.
8 h 35 min
